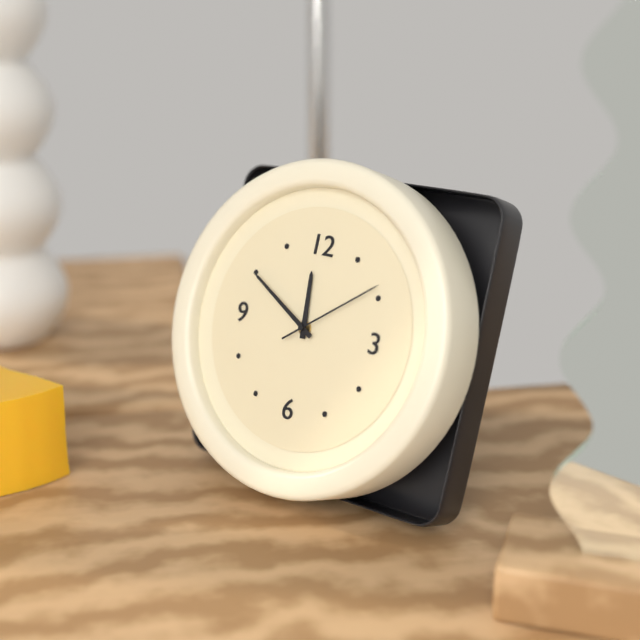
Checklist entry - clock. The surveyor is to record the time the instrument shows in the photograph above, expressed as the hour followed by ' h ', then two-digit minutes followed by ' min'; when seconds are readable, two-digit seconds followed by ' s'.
11 h 50 min 09 s
